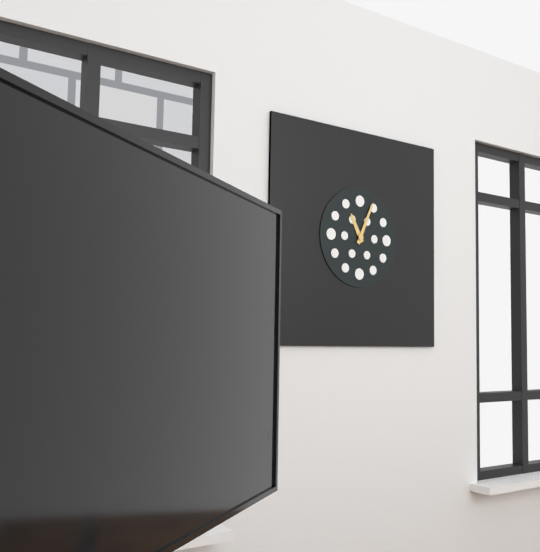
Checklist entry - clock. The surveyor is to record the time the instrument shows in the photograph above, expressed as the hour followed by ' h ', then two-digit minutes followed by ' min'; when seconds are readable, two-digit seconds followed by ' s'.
11 h 04 min
